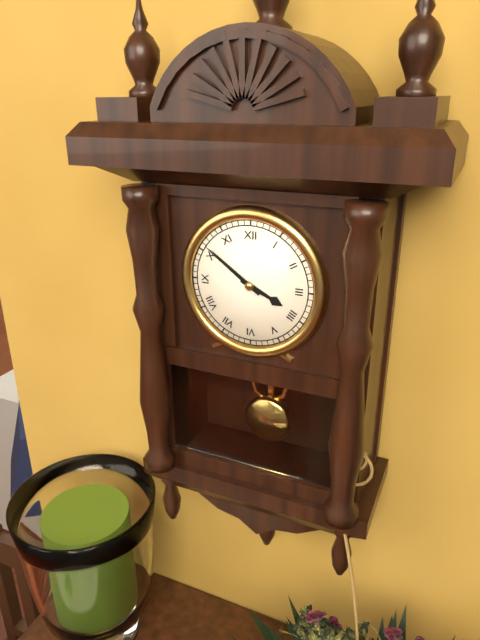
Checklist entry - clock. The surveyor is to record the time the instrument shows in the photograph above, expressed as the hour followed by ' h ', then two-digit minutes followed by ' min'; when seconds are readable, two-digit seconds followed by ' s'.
3 h 51 min
